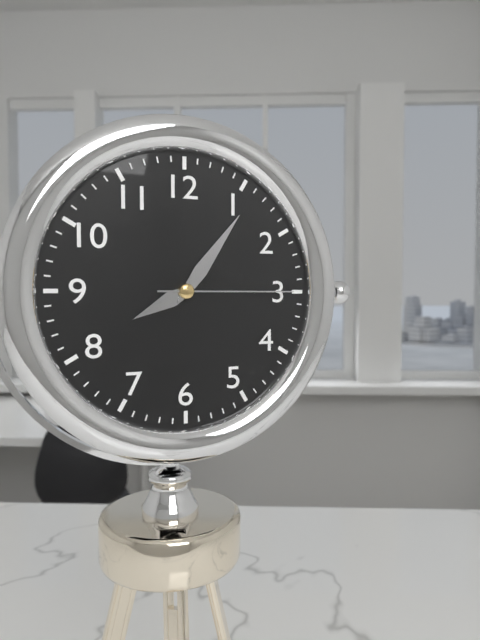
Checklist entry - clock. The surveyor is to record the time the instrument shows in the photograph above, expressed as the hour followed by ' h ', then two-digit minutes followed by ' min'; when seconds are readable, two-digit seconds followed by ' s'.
8 h 06 min 15 s
